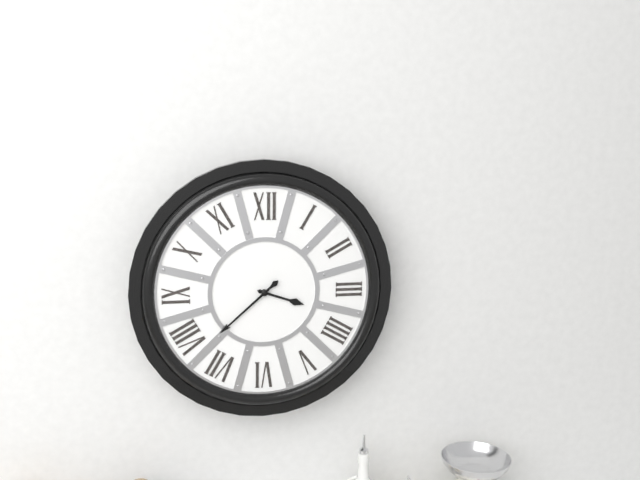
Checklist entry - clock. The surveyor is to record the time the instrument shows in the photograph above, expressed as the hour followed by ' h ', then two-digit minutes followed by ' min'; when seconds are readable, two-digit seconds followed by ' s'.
3 h 38 min
